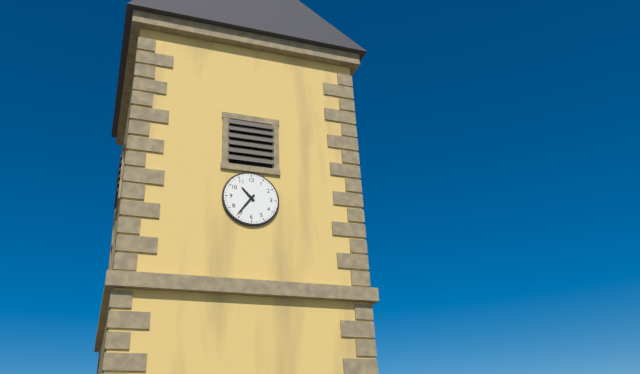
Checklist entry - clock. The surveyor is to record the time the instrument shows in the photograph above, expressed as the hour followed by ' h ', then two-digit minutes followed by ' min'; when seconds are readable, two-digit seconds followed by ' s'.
10 h 36 min
